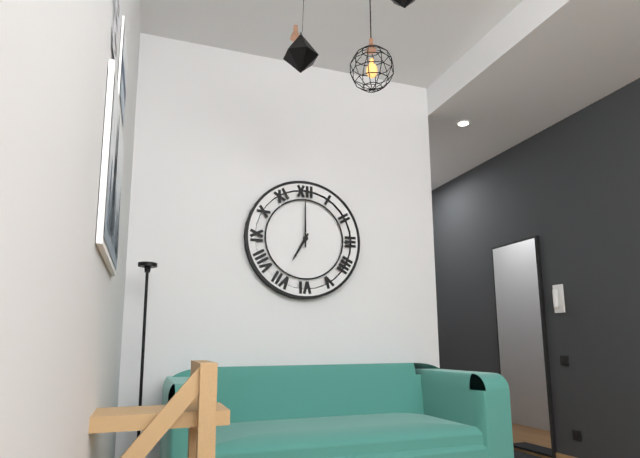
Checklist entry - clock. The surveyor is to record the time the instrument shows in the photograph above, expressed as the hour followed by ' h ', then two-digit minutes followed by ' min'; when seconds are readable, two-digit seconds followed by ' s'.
7 h 00 min
